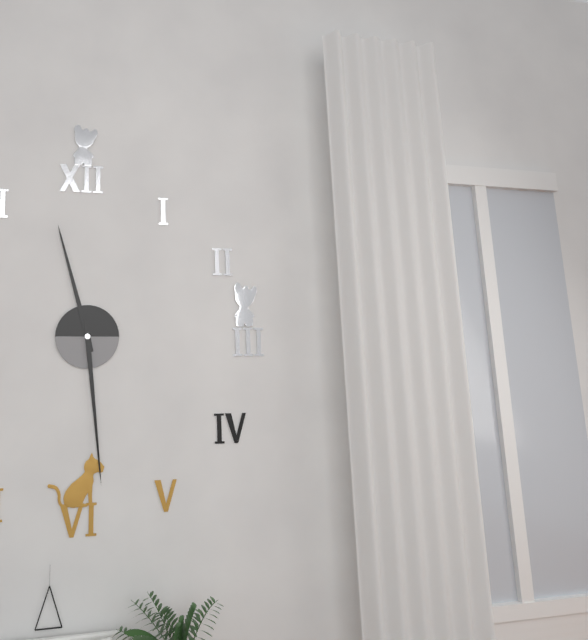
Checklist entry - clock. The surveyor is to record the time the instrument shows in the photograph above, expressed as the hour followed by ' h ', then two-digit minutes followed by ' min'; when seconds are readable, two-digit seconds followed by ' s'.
11 h 29 min
